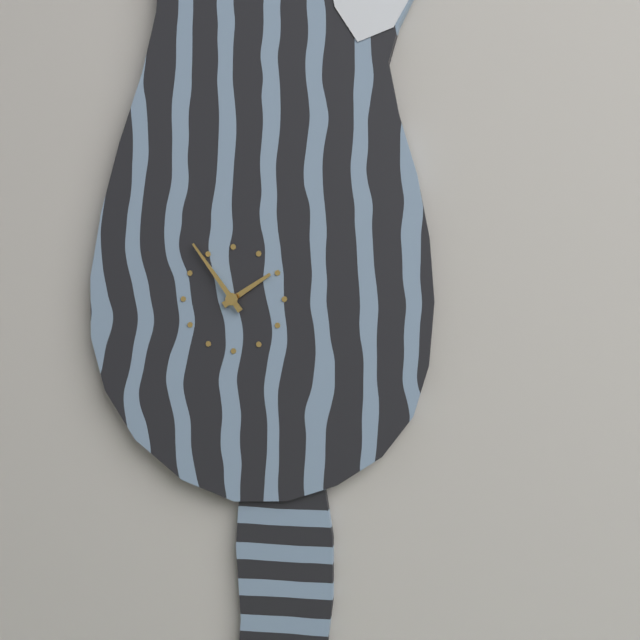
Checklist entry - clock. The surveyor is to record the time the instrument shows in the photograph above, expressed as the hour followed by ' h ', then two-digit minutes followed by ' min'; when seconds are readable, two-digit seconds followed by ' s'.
1 h 54 min
